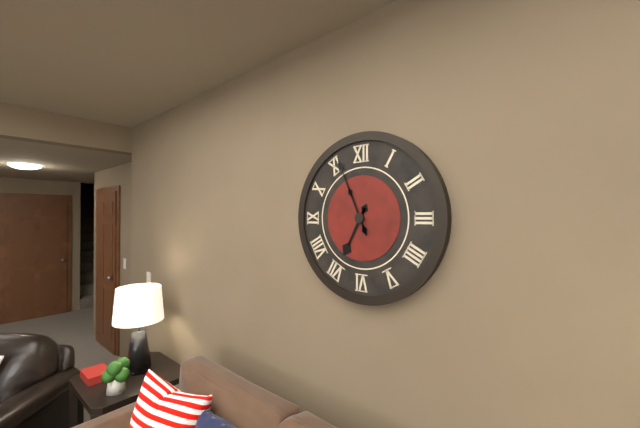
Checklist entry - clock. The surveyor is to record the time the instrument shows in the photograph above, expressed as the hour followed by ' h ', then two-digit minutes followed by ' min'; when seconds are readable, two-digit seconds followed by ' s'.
6 h 56 min
